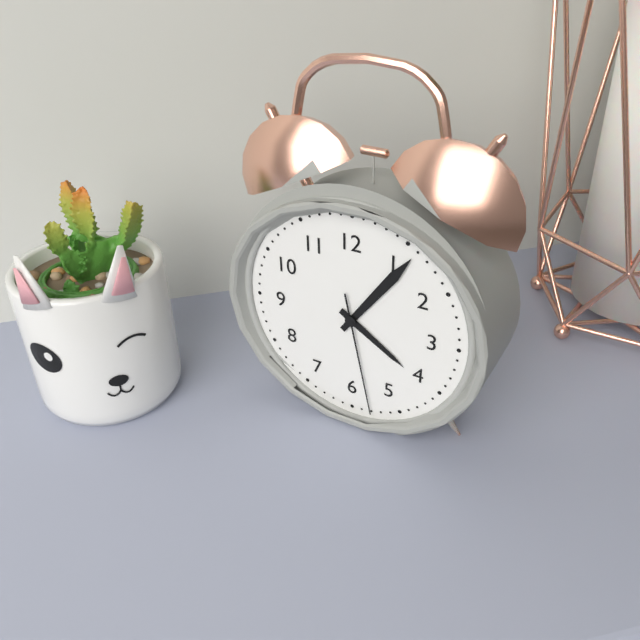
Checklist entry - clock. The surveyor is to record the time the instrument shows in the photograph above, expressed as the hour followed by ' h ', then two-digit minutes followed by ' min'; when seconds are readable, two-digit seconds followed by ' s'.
4 h 06 min 28 s
